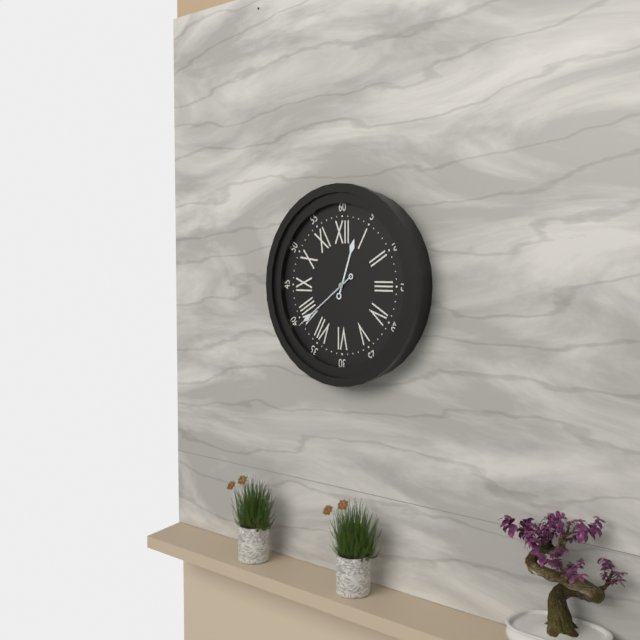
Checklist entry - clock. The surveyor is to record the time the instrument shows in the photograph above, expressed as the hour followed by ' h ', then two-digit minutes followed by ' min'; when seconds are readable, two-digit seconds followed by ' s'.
12 h 39 min 39 s
